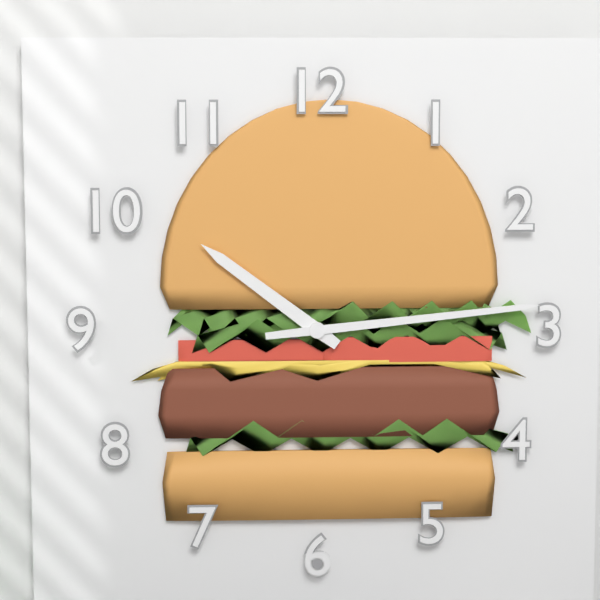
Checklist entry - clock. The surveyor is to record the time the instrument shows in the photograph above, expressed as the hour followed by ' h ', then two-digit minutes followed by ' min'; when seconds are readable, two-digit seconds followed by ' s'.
10 h 14 min
